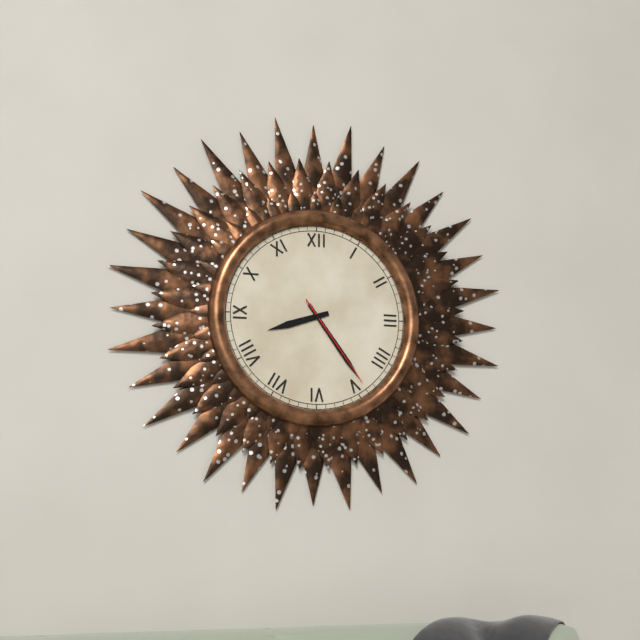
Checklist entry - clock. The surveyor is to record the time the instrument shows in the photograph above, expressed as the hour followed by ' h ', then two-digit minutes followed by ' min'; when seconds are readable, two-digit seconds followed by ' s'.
8 h 24 min 24 s
